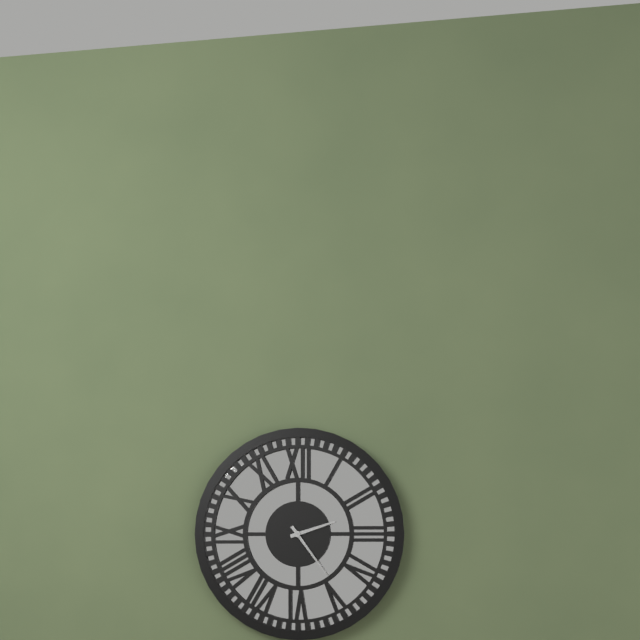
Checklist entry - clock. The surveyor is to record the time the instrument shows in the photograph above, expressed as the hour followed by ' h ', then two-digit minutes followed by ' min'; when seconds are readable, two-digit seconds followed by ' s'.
2 h 24 min
